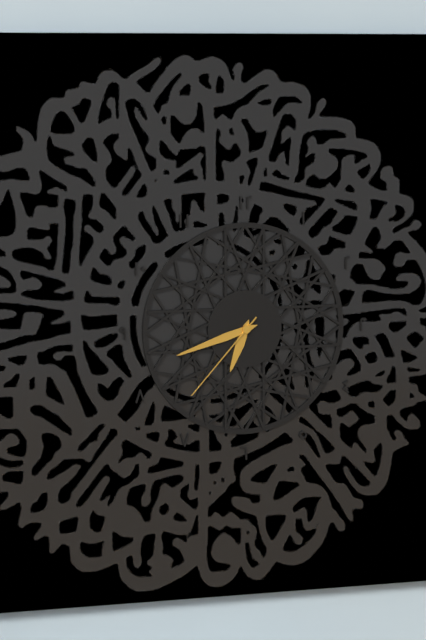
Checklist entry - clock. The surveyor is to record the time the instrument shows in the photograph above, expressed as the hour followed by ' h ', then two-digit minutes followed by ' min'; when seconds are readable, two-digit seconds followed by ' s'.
6 h 42 min 37 s
